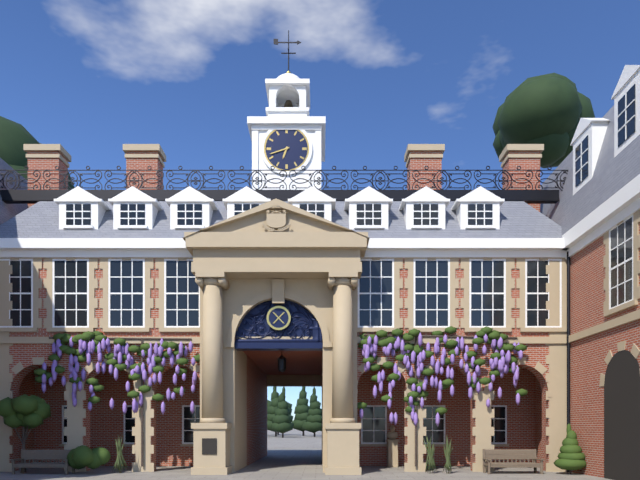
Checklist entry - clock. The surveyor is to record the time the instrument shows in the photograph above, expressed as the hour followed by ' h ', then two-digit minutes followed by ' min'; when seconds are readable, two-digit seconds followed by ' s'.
6 h 42 min
